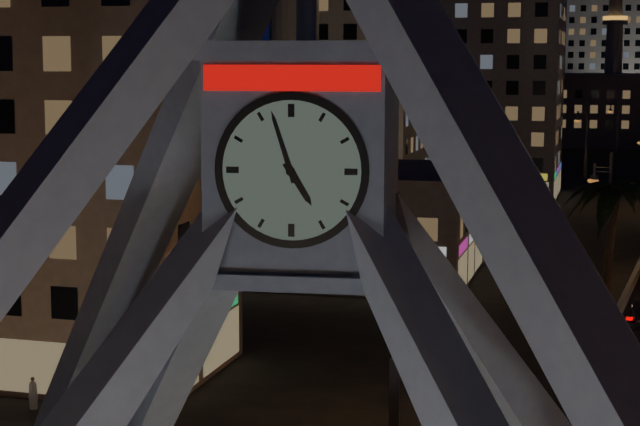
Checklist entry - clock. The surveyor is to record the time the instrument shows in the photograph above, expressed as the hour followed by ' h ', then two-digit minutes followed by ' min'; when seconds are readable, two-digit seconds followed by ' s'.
4 h 57 min
